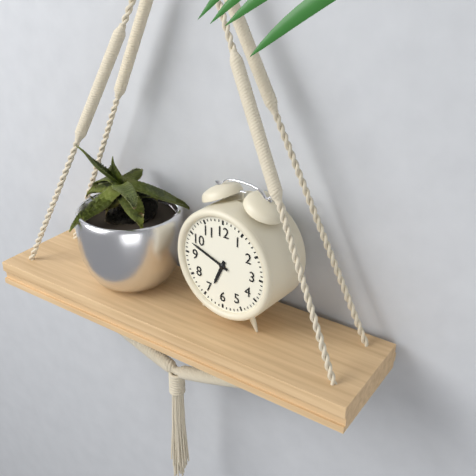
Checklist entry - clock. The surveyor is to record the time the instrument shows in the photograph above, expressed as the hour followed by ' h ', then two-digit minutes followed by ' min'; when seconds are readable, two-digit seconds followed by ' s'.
6 h 48 min
